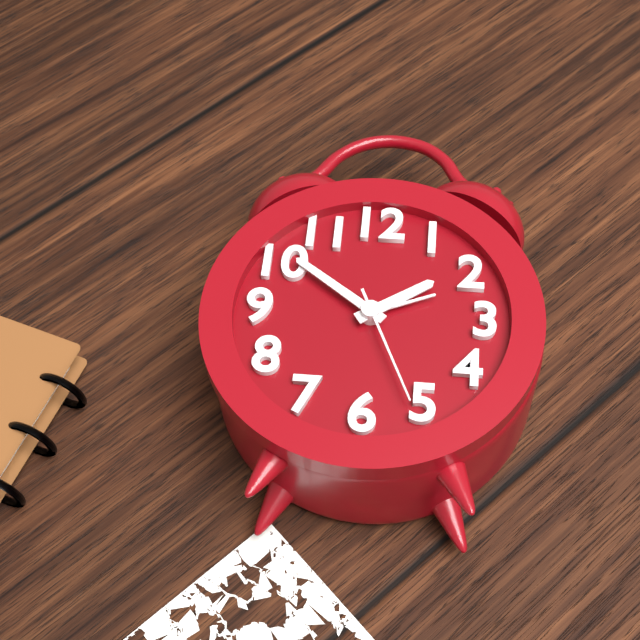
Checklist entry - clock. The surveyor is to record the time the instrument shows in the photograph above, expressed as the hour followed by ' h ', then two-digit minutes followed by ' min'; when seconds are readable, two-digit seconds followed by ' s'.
1 h 51 min 26 s
